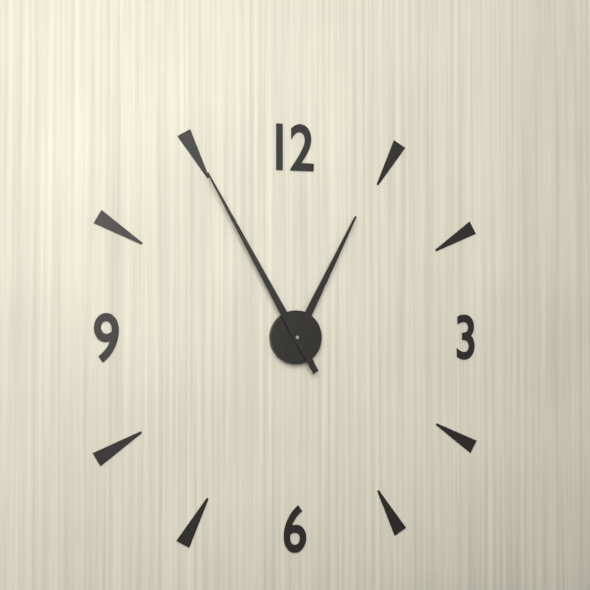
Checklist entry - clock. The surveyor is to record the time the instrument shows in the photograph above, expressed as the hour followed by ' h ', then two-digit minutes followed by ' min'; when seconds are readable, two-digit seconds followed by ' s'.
12 h 55 min
